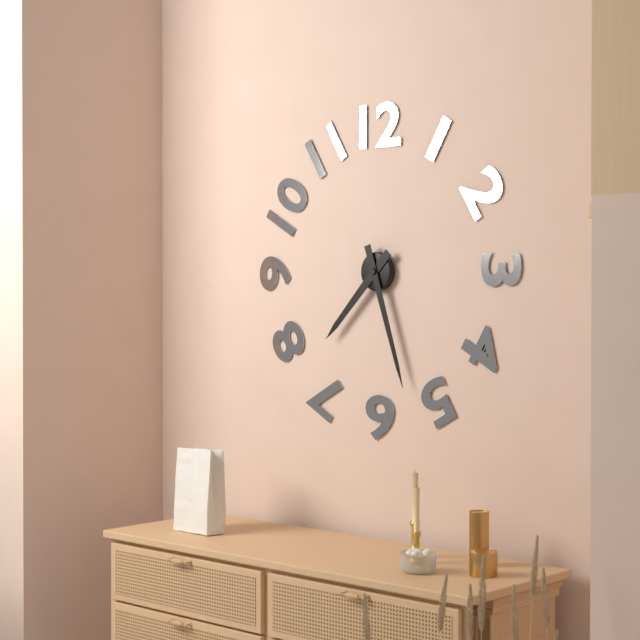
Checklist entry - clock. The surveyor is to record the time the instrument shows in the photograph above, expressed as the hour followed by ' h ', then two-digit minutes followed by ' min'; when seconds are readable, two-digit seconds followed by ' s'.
7 h 27 min
